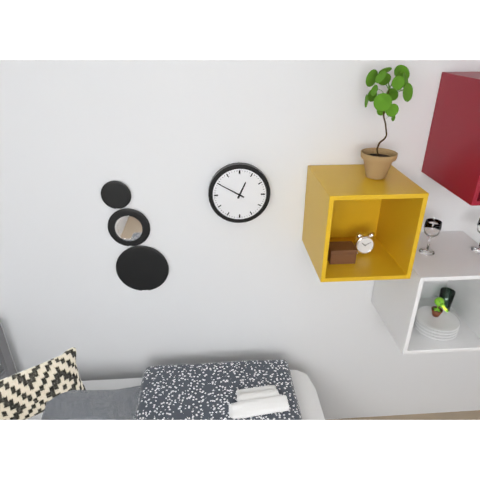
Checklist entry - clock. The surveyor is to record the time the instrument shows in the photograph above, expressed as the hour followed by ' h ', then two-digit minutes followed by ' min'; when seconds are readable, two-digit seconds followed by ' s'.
12 h 50 min
